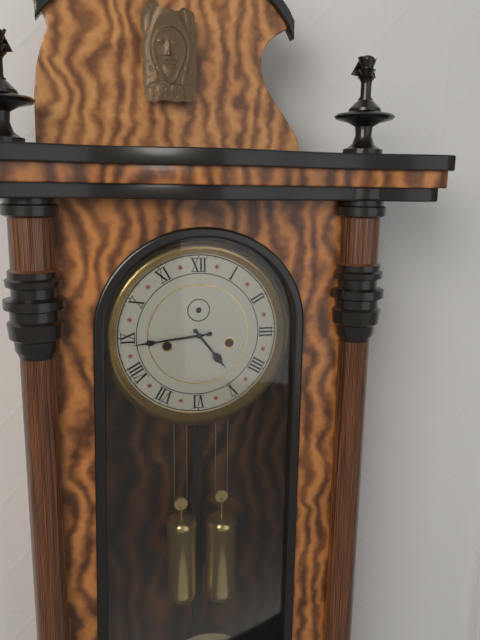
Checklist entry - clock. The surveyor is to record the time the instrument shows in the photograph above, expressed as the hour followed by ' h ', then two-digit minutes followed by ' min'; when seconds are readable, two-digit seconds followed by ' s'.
4 h 44 min
